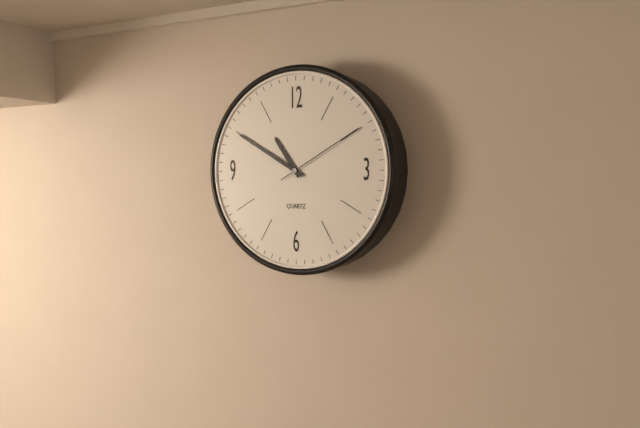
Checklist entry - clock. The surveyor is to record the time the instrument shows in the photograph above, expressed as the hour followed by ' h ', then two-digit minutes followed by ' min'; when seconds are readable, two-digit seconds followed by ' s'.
10 h 50 min 10 s
